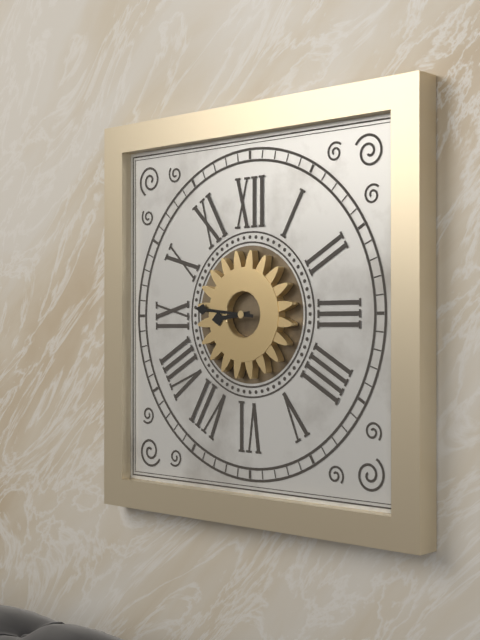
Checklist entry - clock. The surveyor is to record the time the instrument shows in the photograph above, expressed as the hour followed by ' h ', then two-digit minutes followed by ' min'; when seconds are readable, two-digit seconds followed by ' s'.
8 h 46 min
